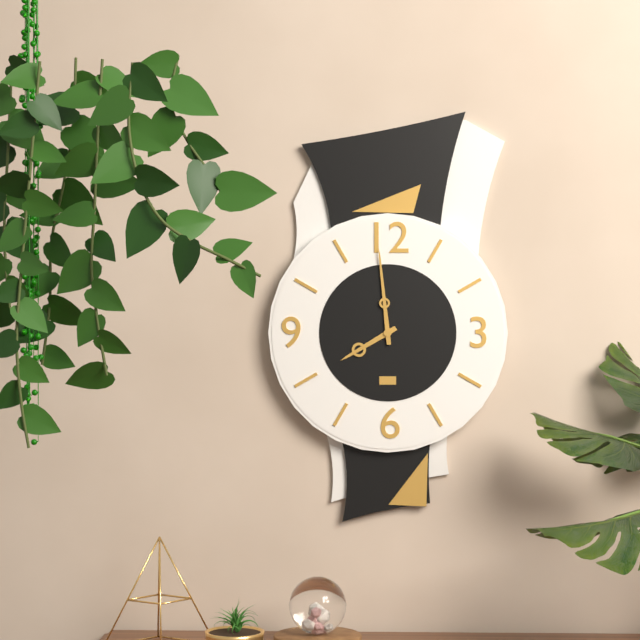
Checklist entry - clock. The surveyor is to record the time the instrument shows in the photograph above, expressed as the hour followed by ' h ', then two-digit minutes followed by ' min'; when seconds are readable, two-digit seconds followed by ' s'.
7 h 59 min
